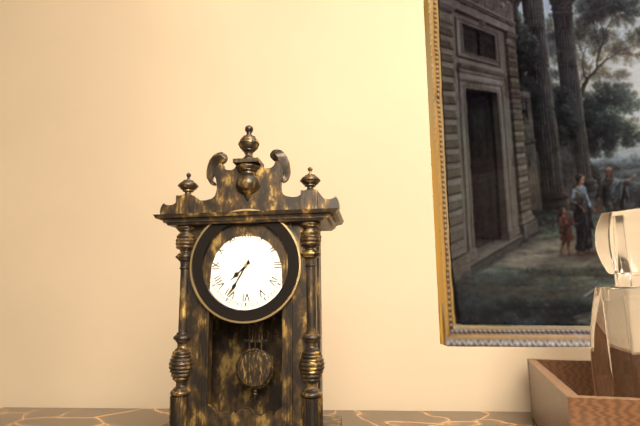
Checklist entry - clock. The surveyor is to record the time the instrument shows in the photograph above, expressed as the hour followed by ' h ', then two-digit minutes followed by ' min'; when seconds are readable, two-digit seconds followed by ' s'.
7 h 35 min
